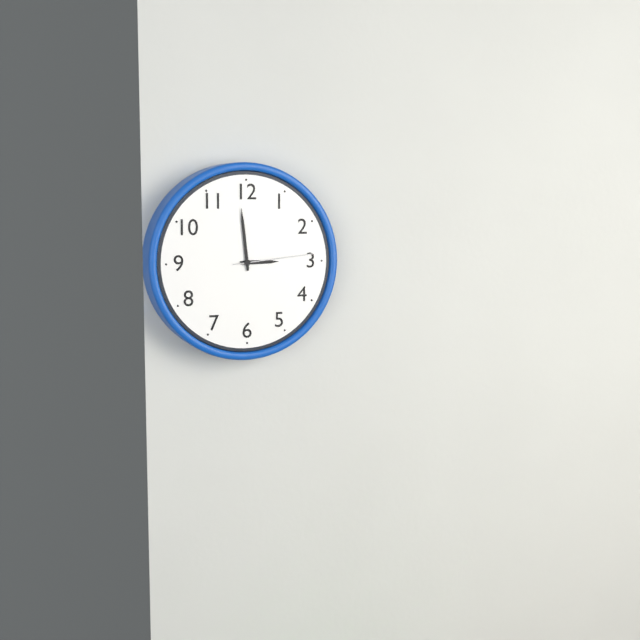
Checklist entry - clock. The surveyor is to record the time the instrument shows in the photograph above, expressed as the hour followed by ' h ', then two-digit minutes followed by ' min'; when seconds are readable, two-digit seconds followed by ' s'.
2 h 59 min 14 s
